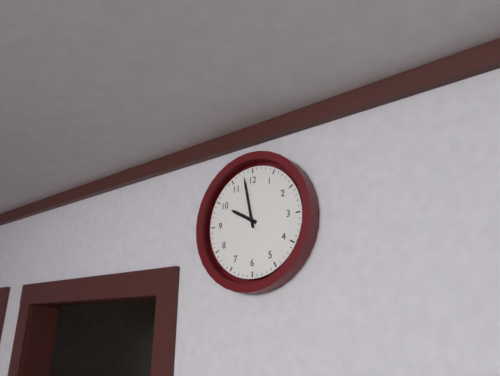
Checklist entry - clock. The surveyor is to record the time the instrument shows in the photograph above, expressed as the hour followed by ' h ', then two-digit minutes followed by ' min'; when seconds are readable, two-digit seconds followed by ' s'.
9 h 58 min
